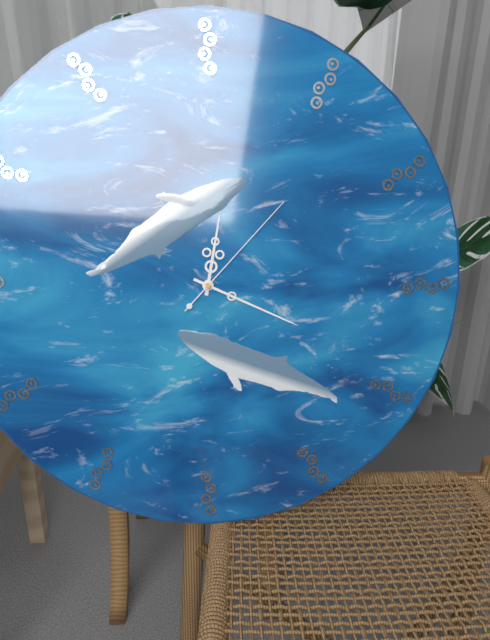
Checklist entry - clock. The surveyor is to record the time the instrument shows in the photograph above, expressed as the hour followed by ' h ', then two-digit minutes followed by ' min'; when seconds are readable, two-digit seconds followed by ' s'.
12 h 19 min 07 s
